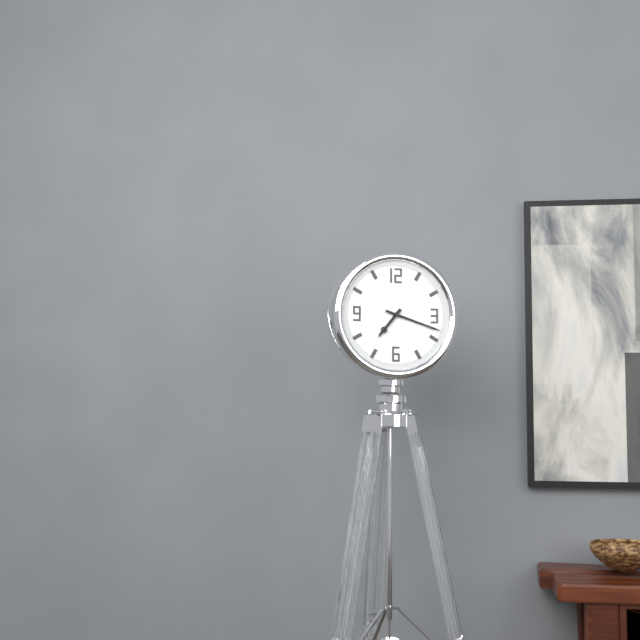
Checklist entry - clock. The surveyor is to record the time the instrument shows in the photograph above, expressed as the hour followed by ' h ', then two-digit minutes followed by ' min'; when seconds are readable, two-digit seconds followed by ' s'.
7 h 18 min
